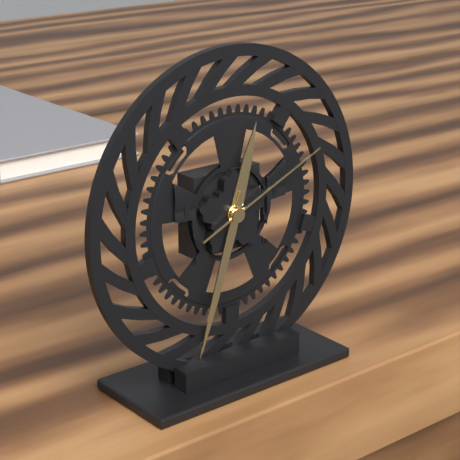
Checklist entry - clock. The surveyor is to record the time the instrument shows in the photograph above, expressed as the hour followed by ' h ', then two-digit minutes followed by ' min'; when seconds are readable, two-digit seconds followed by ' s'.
12 h 33 min 11 s
